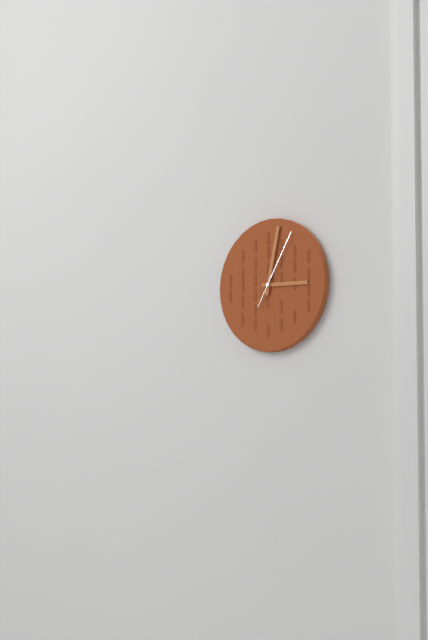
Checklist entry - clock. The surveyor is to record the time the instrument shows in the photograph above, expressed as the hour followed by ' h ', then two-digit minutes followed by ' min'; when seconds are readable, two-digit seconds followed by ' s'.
3 h 02 min 05 s
